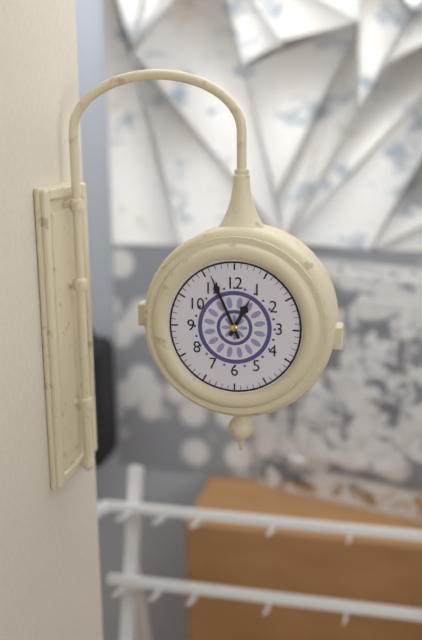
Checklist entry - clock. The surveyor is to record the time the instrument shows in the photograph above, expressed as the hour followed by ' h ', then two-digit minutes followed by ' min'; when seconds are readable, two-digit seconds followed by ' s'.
12 h 56 min
